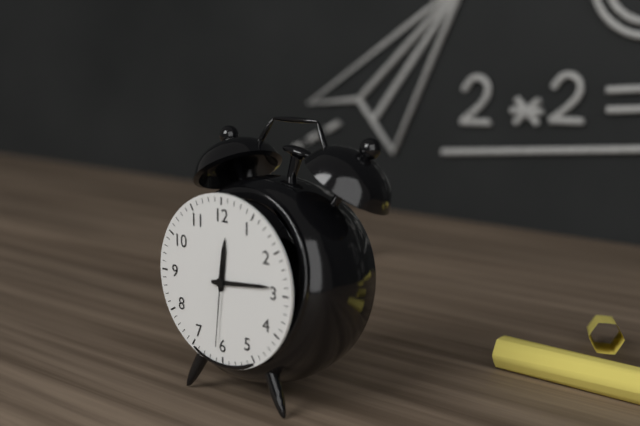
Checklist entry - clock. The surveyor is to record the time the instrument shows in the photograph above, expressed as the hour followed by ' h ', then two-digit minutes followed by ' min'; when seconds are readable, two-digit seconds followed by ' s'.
12 h 14 min 31 s
